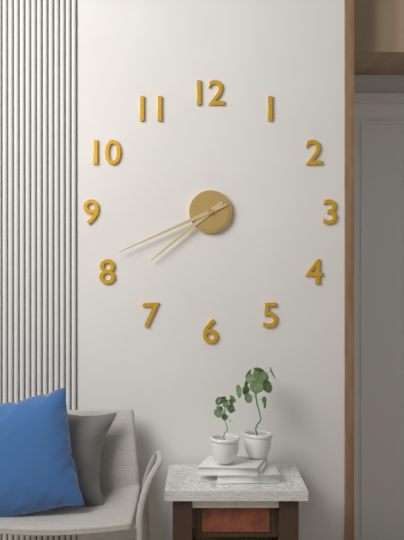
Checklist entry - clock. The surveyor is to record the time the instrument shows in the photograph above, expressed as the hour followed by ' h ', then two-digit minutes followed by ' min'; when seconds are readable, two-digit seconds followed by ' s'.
7 h 41 min
